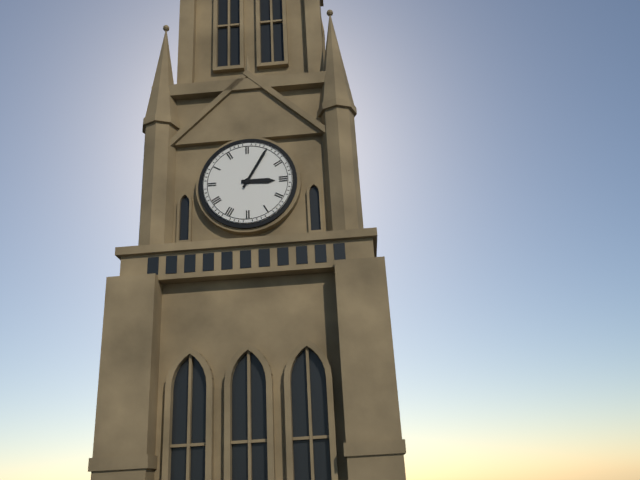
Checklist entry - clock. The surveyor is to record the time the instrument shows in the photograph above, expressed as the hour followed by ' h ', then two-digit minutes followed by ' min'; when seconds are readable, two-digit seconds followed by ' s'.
3 h 05 min
